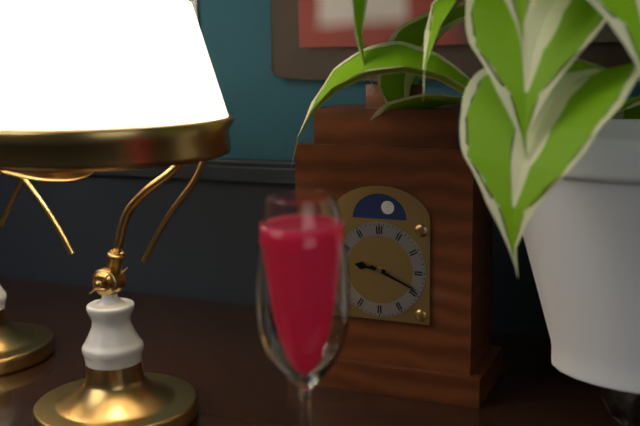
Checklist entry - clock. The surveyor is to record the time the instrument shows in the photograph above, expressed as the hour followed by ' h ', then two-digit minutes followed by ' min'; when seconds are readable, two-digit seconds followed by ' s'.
9 h 19 min
